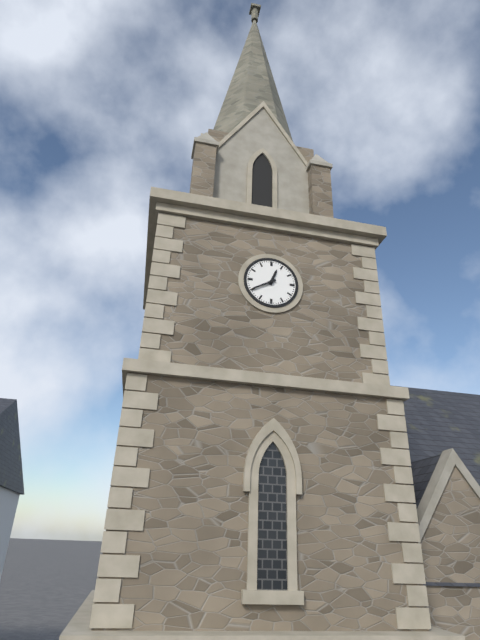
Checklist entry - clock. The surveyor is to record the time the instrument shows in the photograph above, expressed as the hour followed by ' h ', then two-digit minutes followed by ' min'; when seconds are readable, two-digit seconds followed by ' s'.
12 h 40 min
